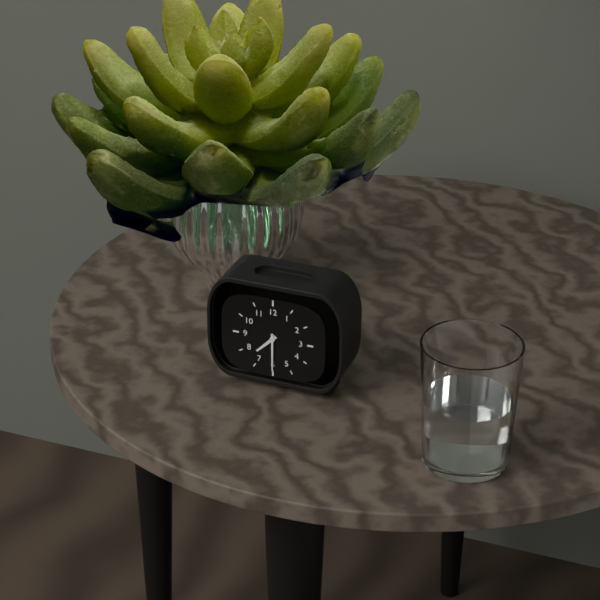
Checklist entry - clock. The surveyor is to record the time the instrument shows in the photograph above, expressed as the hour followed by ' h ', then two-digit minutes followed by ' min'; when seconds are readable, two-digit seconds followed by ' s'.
7 h 30 min
